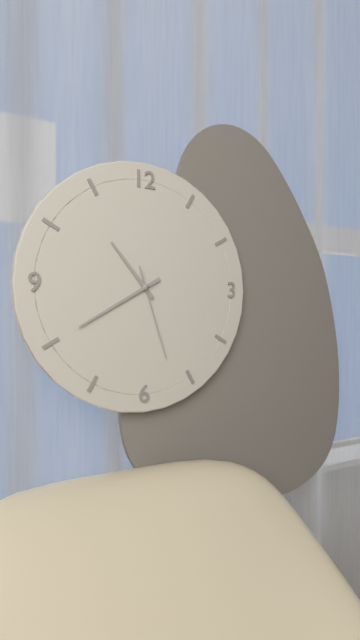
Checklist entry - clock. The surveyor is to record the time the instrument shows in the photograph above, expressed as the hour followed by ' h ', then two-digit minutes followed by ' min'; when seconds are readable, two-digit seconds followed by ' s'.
10 h 40 min 27 s
